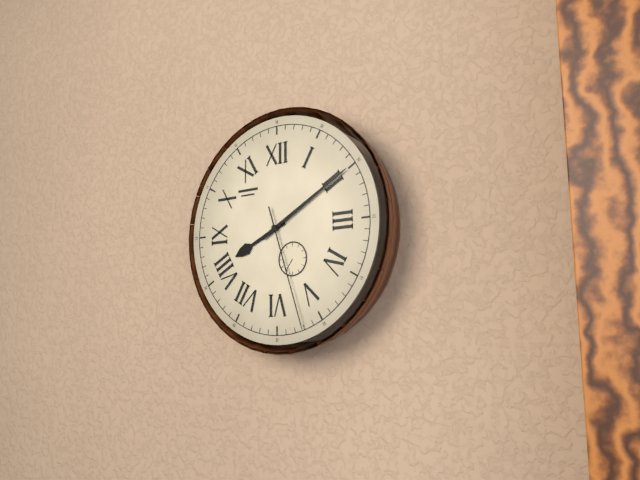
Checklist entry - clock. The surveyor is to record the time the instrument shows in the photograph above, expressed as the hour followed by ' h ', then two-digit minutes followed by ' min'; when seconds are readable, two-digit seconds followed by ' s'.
8 h 10 min 27 s
